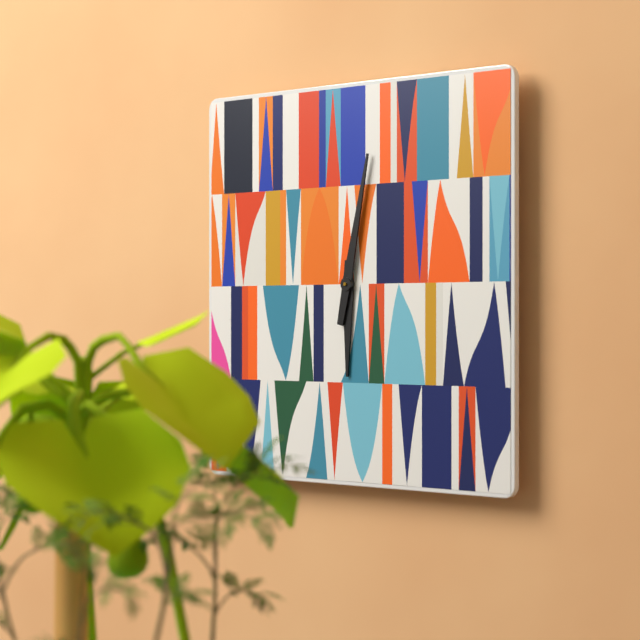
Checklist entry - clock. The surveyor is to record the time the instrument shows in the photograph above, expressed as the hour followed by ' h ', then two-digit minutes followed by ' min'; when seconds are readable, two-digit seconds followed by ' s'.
6 h 02 min
